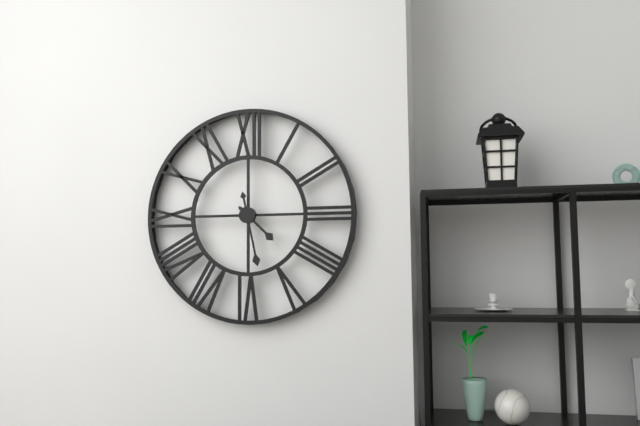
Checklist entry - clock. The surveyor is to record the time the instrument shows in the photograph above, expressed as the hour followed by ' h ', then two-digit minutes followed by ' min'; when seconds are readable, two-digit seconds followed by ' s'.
4 h 28 min
